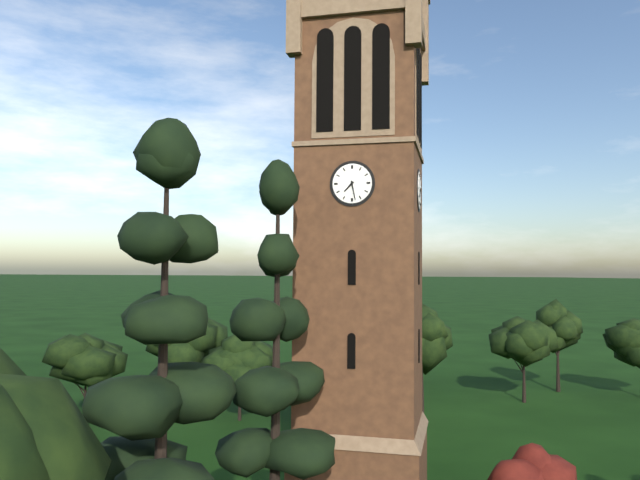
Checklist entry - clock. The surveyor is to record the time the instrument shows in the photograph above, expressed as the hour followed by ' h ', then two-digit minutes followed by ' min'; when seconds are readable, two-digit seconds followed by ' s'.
7 h 28 min
